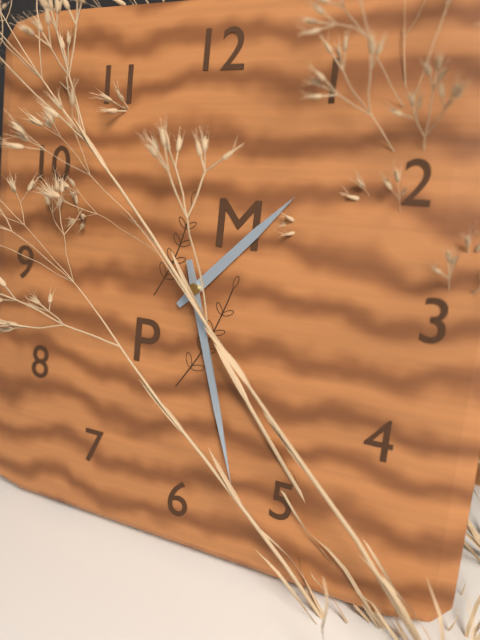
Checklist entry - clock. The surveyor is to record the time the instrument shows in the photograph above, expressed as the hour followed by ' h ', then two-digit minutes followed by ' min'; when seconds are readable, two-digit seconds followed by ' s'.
1 h 27 min
